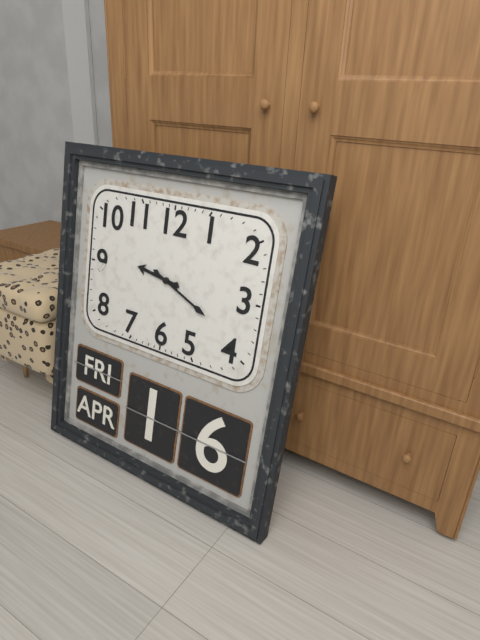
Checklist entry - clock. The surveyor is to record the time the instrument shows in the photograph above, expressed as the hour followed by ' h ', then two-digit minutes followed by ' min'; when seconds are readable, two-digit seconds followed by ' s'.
9 h 19 min
